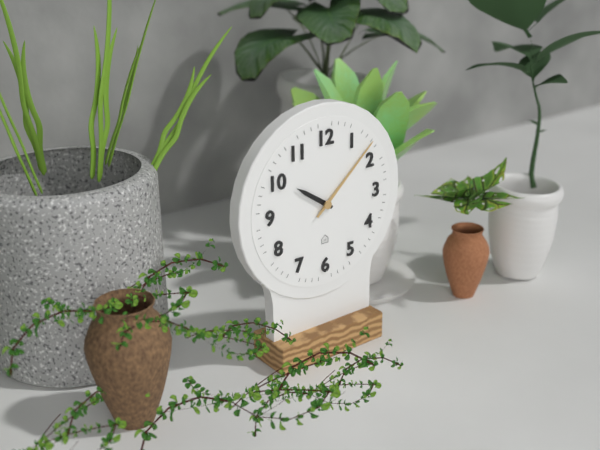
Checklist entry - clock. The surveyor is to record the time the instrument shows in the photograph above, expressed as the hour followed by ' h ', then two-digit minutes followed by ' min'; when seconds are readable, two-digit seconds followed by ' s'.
10 h 08 min
